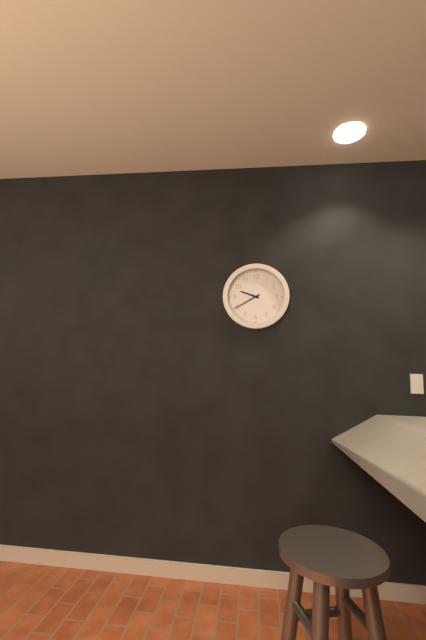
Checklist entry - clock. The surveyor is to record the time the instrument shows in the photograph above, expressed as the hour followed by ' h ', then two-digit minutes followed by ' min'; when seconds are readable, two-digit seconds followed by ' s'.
9 h 40 min
